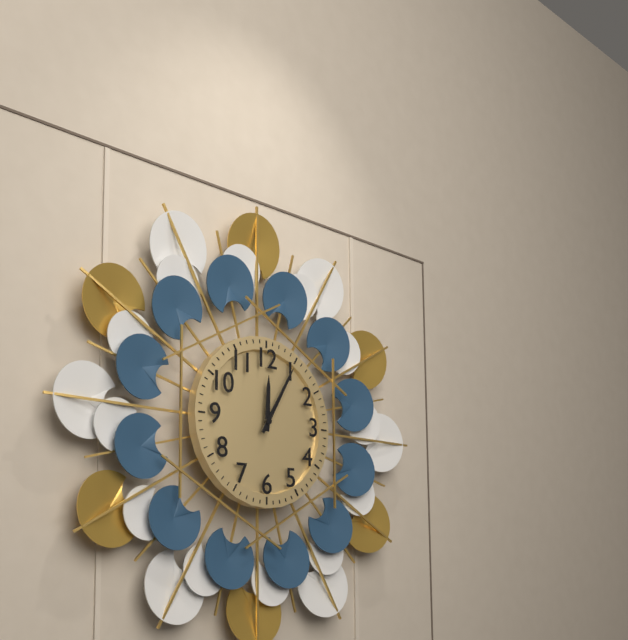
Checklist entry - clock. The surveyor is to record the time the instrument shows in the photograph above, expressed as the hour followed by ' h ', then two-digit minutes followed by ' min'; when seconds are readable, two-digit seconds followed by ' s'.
12 h 05 min
